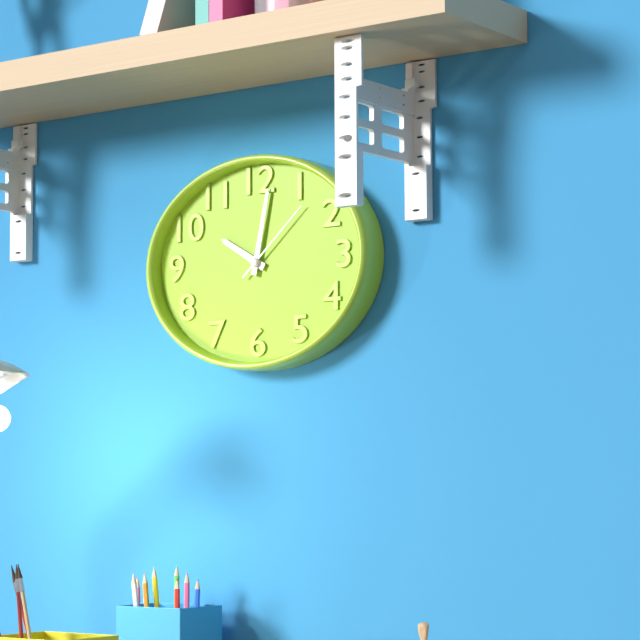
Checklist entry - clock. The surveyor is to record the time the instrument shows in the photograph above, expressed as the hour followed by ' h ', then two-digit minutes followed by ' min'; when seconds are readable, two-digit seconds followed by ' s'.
10 h 02 min 08 s
